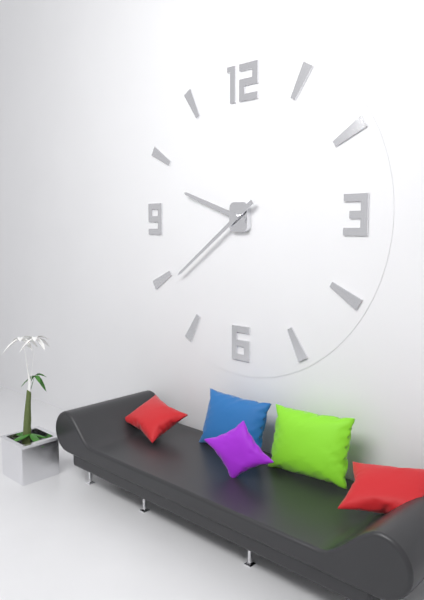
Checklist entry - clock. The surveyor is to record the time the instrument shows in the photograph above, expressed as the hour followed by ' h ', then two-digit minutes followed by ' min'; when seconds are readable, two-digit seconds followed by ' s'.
9 h 39 min
